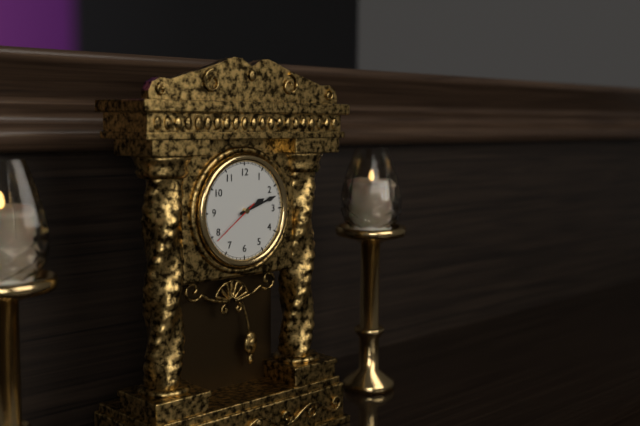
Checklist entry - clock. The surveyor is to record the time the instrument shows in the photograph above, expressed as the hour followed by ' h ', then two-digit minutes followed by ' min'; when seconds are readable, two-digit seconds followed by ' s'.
2 h 12 min 39 s
